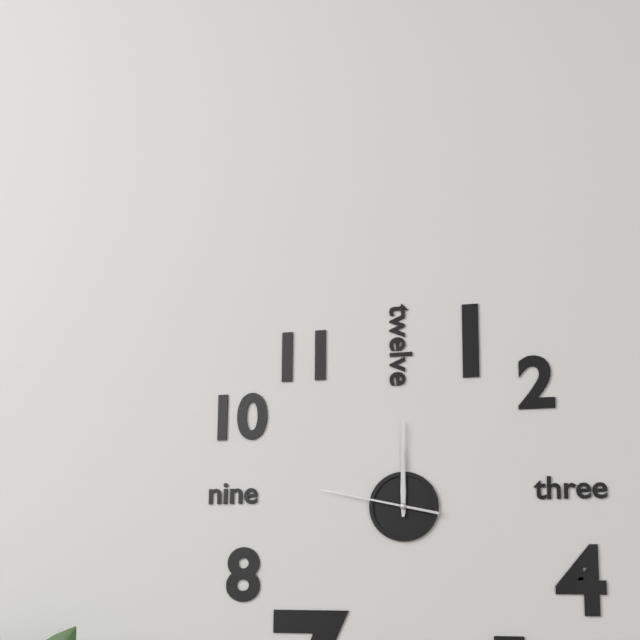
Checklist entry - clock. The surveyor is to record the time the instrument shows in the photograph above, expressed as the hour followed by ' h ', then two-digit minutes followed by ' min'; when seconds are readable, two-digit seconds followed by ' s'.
12 h 00 min 47 s
